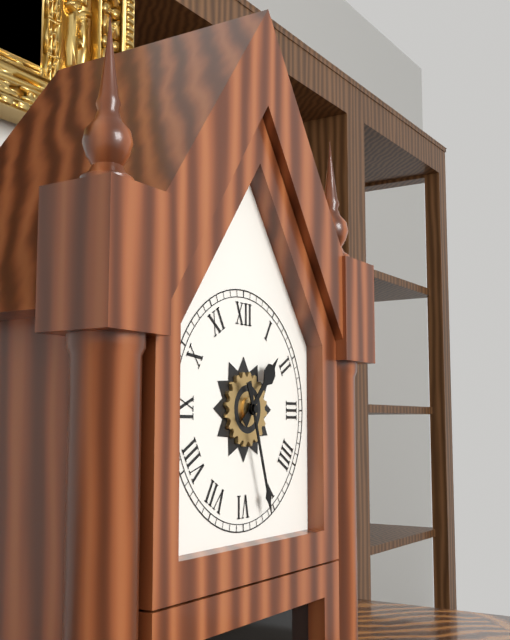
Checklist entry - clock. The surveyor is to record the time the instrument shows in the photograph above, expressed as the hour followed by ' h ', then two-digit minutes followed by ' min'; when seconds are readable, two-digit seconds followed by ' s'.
1 h 27 min
